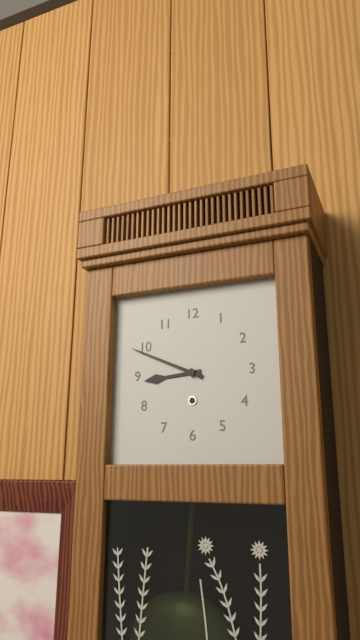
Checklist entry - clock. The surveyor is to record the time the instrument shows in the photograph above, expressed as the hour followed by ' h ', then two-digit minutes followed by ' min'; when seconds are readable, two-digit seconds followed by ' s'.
8 h 49 min
